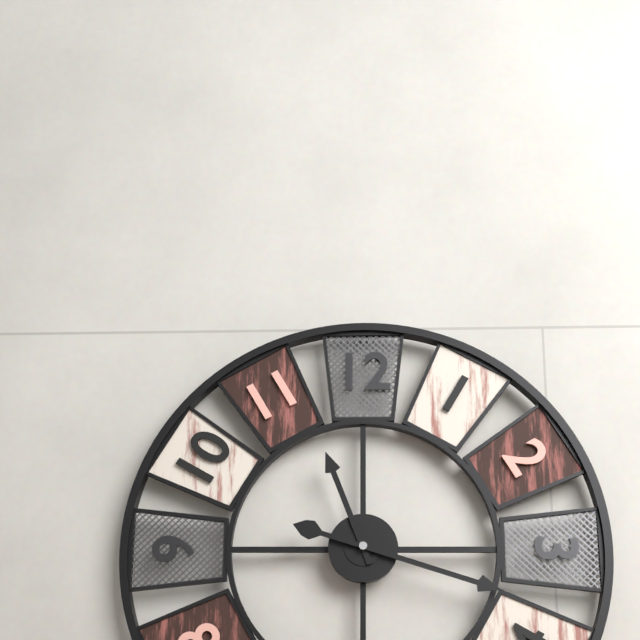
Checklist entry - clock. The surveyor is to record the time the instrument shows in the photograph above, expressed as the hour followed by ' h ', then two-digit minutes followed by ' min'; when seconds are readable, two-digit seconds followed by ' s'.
11 h 18 min
